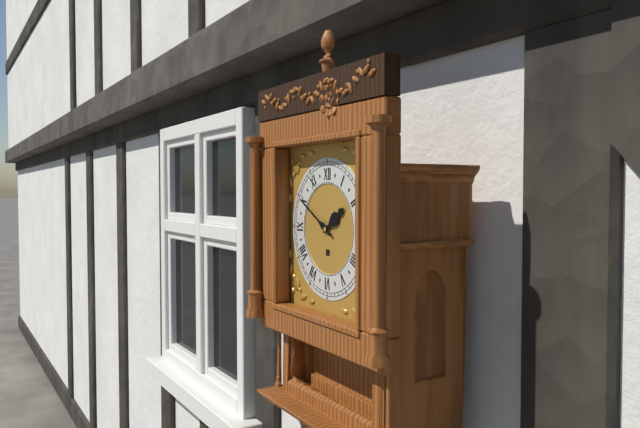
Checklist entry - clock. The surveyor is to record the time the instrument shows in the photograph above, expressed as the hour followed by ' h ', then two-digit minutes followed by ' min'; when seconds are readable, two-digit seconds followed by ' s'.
1 h 50 min
